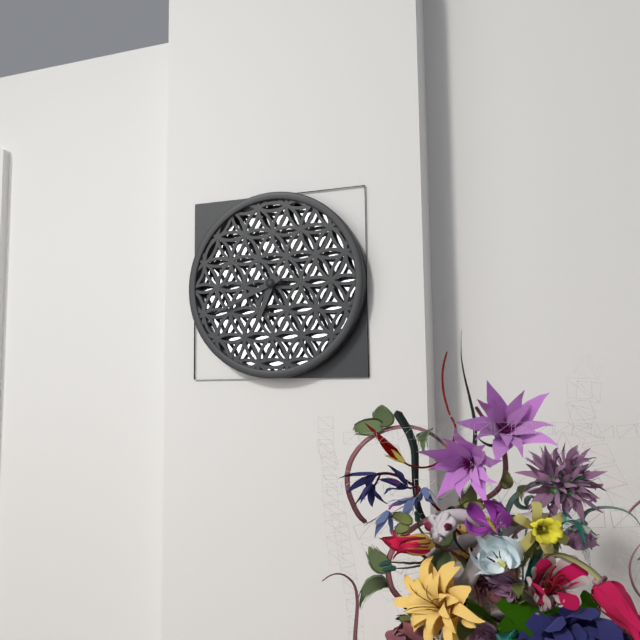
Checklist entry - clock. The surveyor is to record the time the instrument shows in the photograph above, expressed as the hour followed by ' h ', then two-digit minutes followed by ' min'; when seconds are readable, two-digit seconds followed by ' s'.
6 h 41 min
